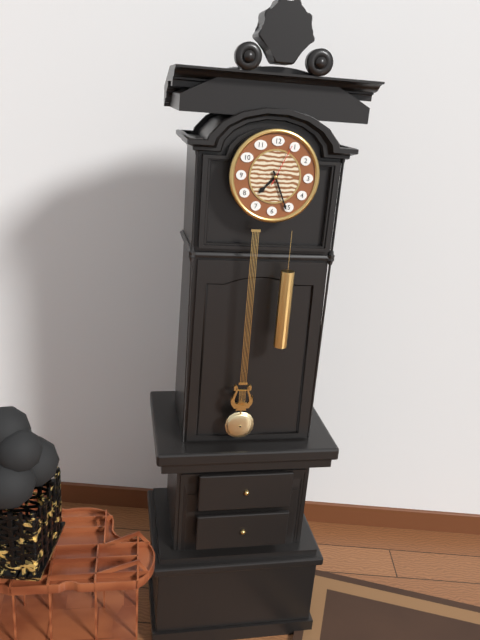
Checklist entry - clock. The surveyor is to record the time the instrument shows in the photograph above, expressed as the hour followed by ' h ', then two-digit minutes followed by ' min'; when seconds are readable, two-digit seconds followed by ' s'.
7 h 26 min
